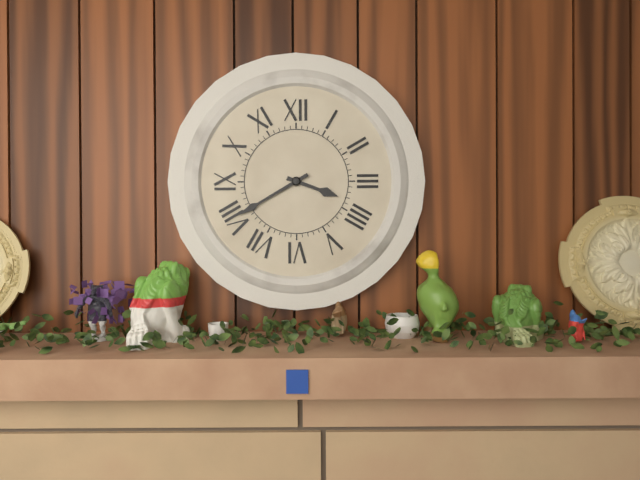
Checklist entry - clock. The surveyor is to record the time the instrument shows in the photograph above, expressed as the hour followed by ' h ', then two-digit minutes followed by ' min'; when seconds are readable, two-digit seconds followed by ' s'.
3 h 40 min
